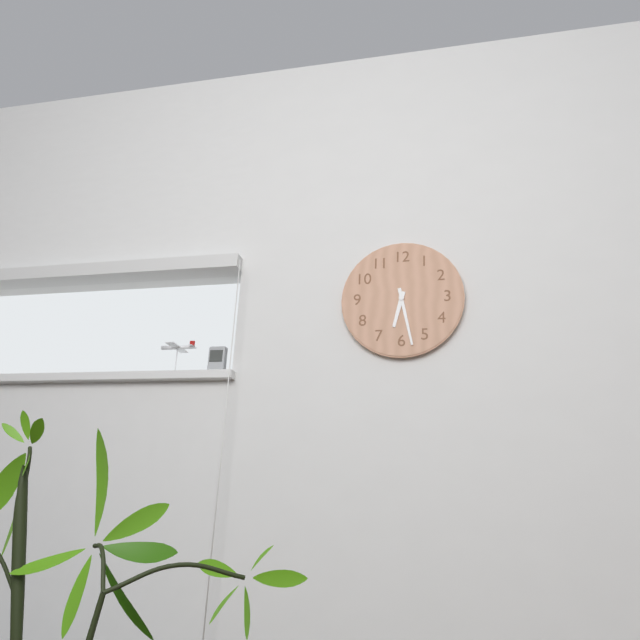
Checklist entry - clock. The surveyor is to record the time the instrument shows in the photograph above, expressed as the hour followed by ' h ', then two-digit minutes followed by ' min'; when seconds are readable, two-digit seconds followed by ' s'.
6 h 28 min
